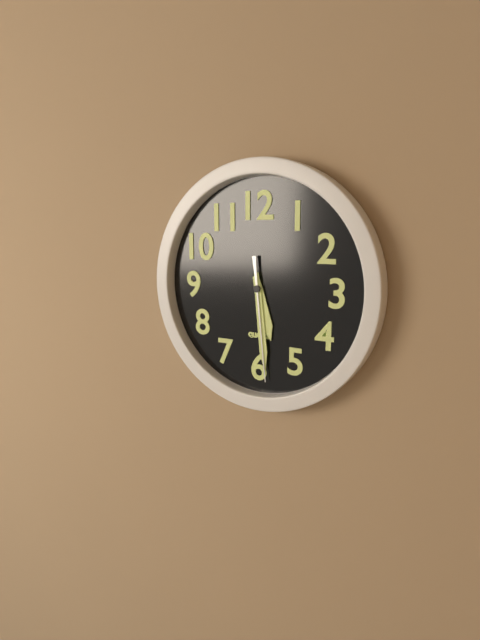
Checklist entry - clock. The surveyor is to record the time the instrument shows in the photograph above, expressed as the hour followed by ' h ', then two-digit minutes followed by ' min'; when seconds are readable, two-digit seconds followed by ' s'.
5 h 29 min 29 s
